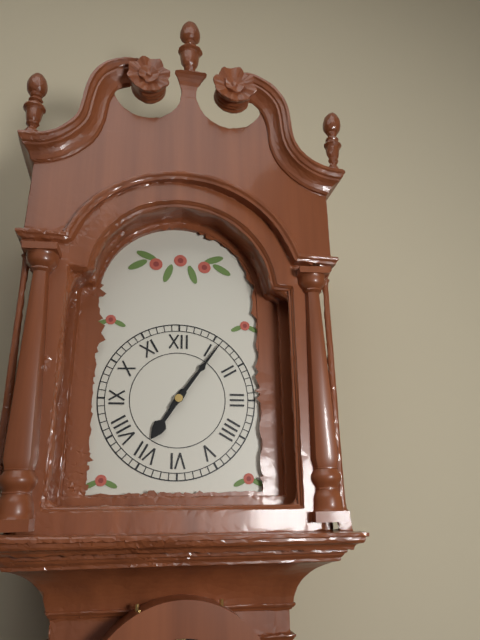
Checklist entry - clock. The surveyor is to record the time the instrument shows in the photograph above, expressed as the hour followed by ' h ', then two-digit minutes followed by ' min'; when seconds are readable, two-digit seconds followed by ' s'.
7 h 06 min
